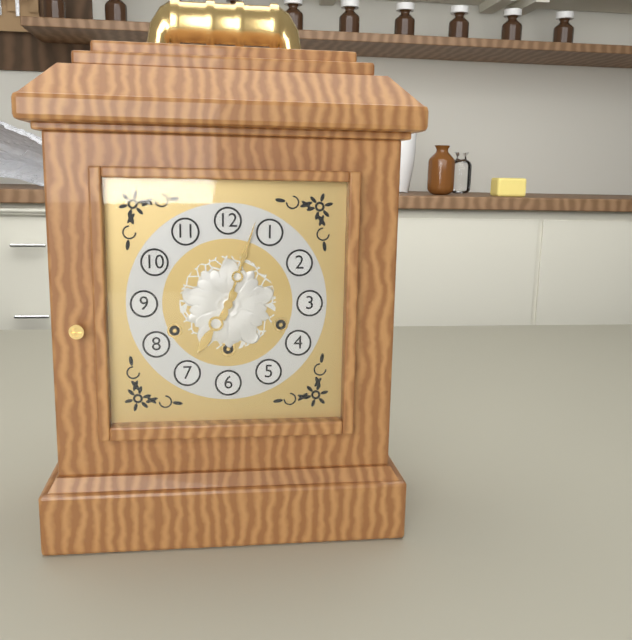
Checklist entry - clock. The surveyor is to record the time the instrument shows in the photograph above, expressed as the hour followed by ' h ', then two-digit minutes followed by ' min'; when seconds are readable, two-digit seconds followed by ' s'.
7 h 03 min
